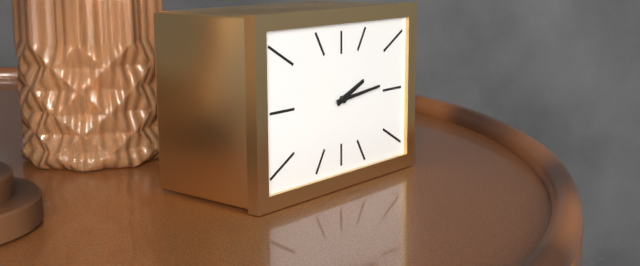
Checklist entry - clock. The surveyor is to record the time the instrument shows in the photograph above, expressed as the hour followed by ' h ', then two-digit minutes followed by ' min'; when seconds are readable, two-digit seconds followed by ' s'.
2 h 14 min
